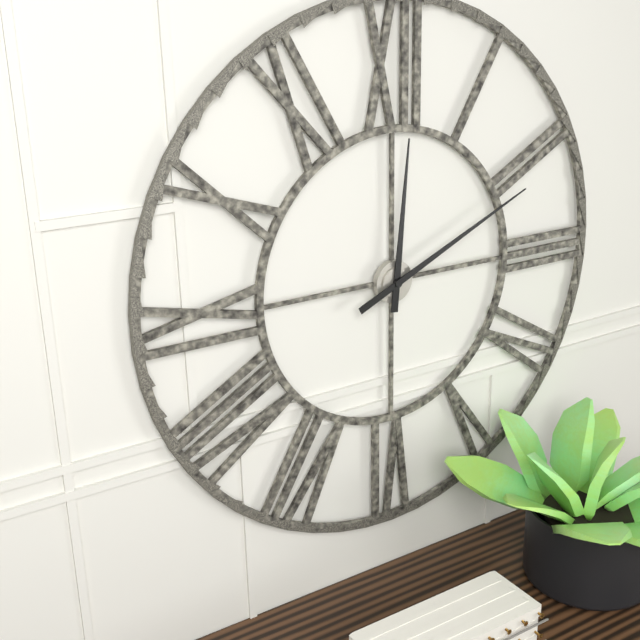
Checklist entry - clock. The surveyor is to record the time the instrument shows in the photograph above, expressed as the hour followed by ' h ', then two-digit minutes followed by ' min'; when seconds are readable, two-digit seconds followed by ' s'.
12 h 11 min
